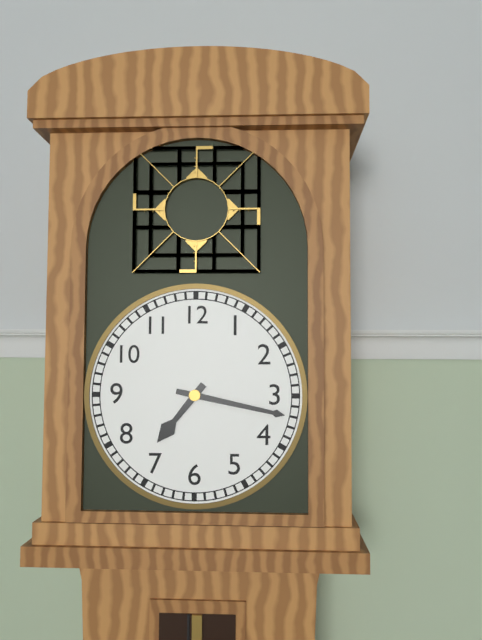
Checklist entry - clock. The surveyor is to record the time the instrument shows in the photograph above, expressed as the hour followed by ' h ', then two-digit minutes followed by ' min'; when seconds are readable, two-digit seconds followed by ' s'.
7 h 17 min
